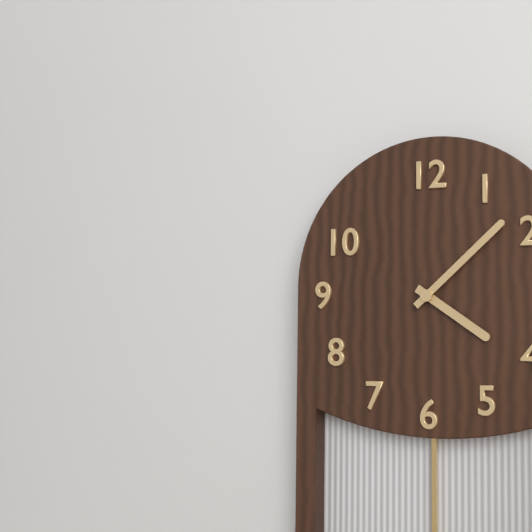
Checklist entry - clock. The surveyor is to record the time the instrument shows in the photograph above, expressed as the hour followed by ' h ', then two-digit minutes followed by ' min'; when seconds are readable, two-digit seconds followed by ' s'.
4 h 08 min
